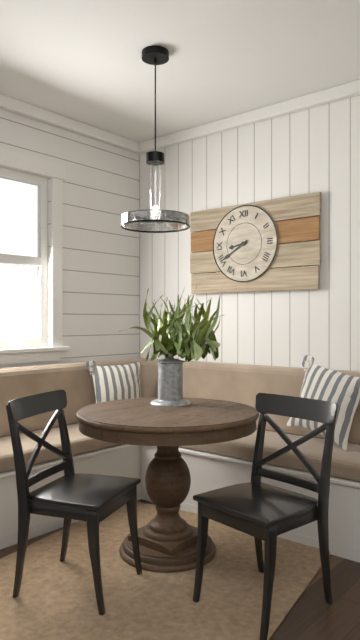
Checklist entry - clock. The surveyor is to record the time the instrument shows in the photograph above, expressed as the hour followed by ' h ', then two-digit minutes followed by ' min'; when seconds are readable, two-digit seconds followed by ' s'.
8 h 40 min
